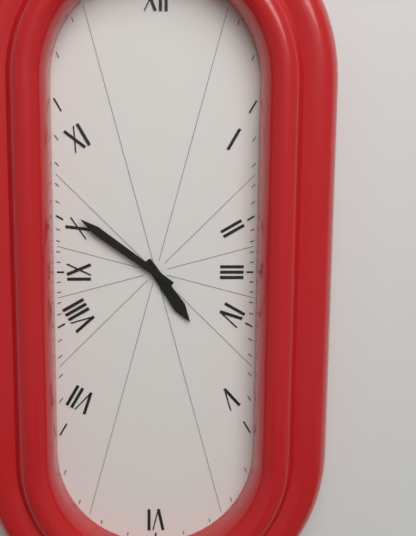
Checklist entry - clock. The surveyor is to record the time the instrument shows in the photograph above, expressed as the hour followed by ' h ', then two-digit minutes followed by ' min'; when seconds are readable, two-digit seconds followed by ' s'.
4 h 51 min
